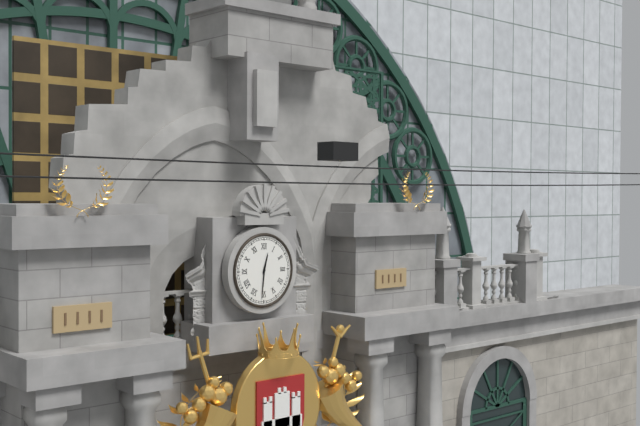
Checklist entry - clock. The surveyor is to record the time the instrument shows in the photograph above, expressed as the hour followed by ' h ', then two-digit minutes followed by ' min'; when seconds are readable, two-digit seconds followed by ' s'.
12 h 31 min
